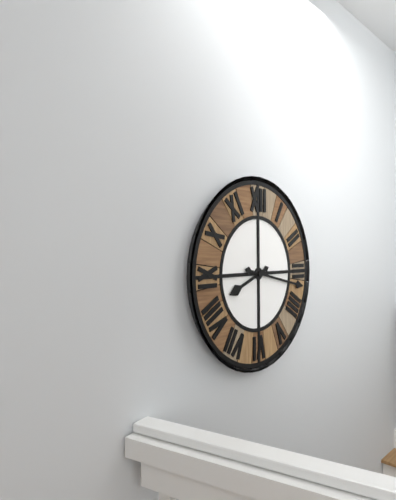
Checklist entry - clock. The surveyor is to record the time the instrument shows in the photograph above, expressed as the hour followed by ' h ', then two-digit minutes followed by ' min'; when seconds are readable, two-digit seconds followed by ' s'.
8 h 17 min
